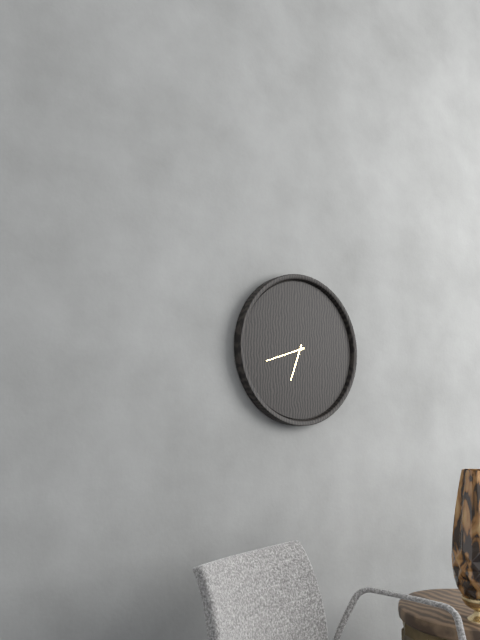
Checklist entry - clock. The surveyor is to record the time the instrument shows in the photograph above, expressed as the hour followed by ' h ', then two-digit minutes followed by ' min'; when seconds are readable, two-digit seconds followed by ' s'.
6 h 42 min
